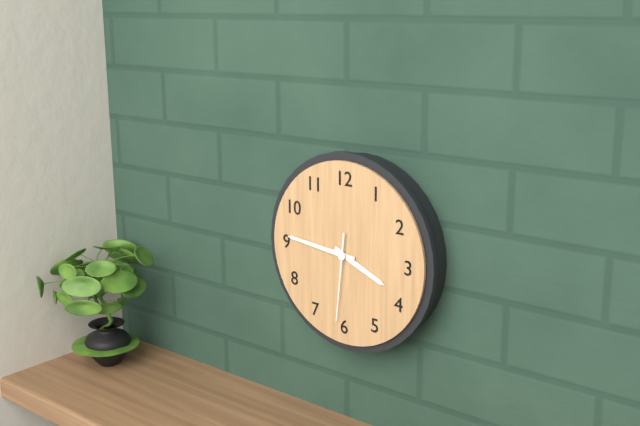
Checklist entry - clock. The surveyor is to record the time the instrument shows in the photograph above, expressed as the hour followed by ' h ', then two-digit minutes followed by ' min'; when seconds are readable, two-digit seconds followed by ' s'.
3 h 46 min 31 s
